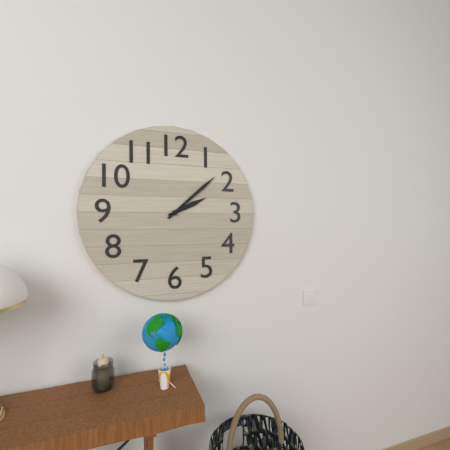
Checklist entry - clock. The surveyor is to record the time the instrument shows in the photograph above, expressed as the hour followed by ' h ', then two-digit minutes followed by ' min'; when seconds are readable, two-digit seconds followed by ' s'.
2 h 08 min
